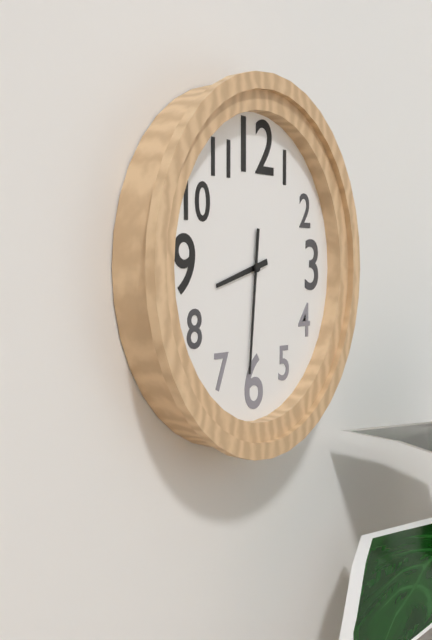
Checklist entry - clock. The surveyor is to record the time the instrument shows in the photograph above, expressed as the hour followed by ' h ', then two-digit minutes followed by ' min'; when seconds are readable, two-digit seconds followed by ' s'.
8 h 31 min
